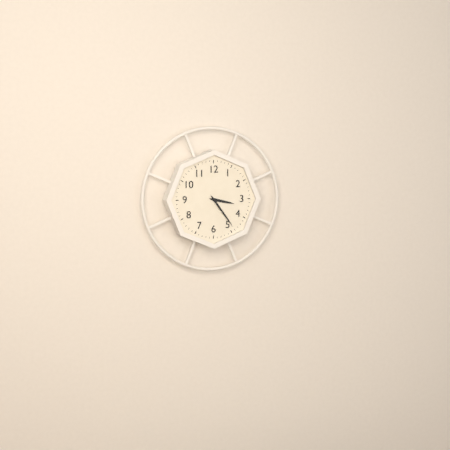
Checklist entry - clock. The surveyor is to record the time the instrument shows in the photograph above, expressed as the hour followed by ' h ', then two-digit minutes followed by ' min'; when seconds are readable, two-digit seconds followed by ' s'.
3 h 24 min
